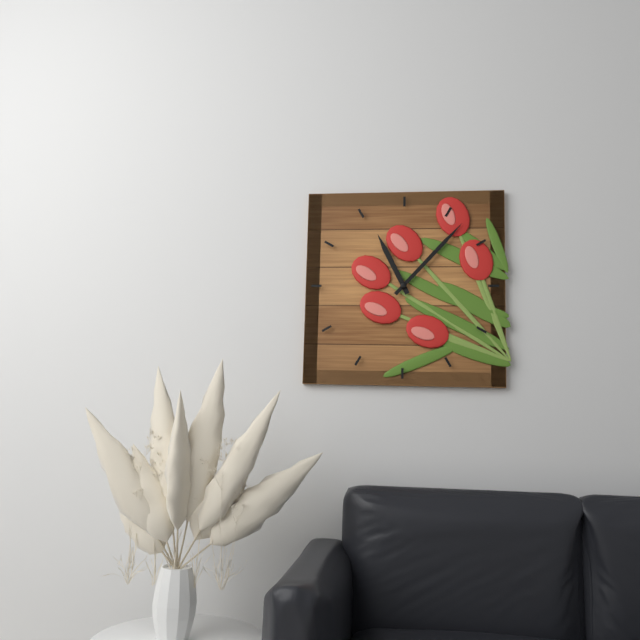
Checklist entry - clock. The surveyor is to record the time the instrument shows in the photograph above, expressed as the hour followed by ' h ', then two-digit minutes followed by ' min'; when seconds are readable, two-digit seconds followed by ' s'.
11 h 07 min
